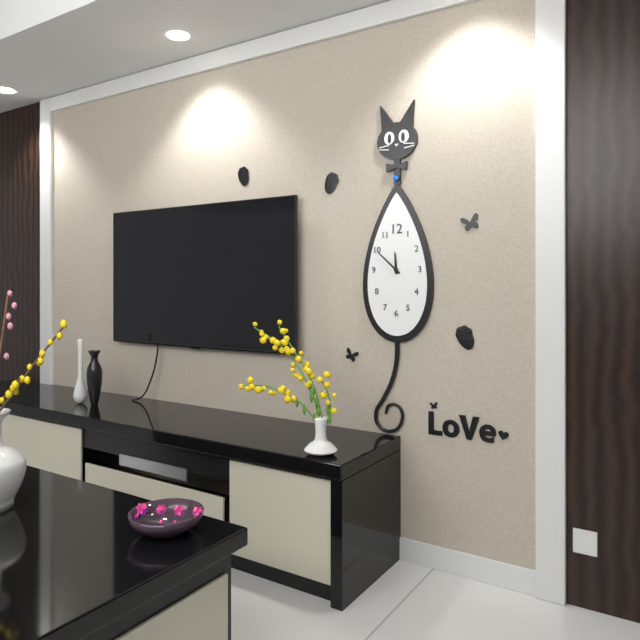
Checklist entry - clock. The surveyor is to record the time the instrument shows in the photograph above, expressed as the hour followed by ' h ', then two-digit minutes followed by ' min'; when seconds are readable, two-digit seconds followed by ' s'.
11 h 52 min
